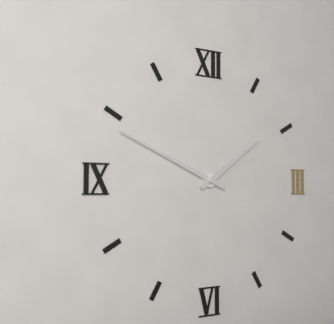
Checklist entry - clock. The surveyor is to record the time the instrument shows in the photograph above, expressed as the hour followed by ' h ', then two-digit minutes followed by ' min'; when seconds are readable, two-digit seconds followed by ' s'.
1 h 49 min
